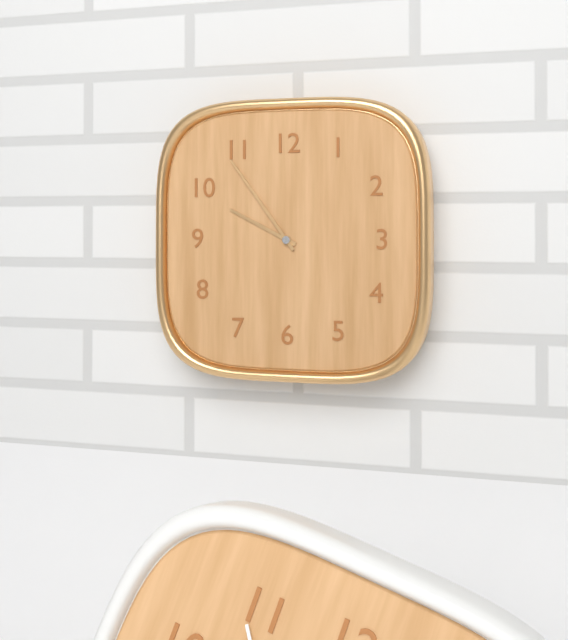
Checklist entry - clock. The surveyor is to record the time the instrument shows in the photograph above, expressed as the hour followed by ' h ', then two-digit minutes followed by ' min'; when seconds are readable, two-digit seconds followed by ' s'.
9 h 54 min
